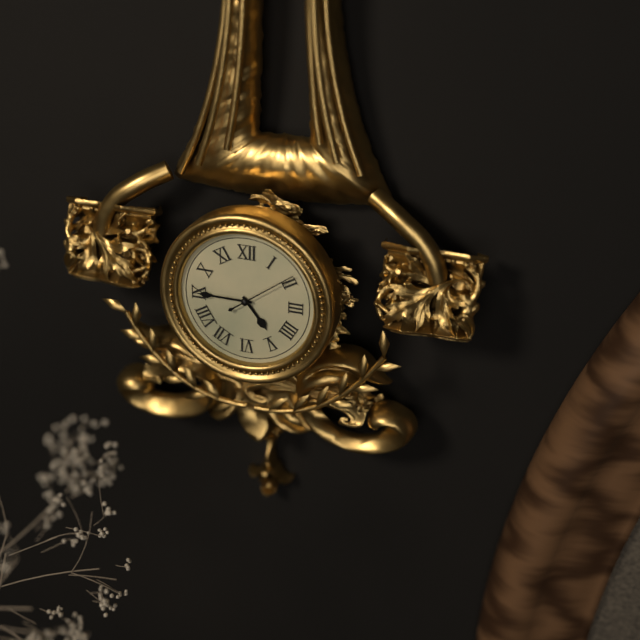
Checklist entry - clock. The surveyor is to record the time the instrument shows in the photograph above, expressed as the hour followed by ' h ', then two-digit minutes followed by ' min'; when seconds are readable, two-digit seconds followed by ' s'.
4 h 45 min 09 s
